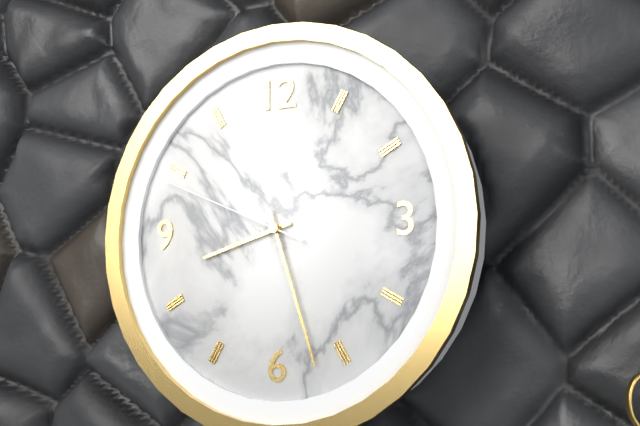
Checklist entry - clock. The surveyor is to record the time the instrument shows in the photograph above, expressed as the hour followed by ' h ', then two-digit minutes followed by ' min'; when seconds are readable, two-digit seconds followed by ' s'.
8 h 27 min 49 s
